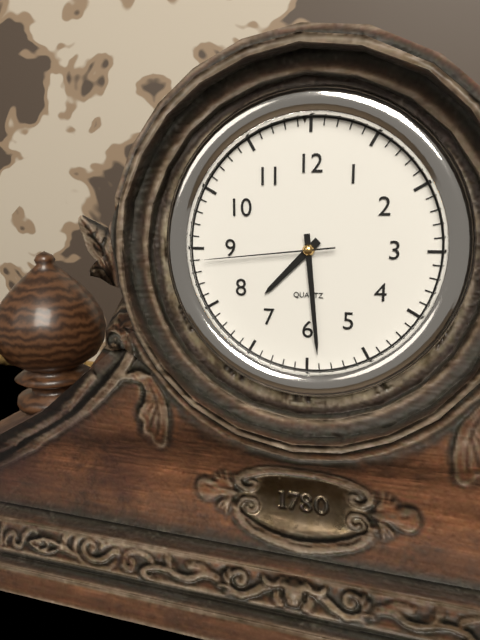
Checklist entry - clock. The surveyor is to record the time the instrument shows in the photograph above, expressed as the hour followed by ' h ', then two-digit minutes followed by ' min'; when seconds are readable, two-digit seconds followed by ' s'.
7 h 29 min 44 s
